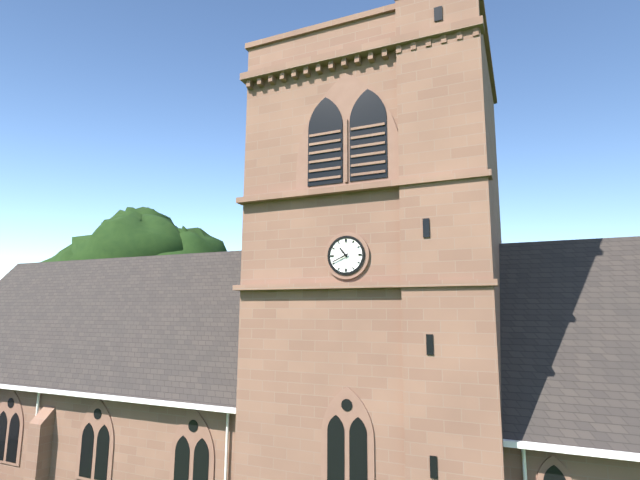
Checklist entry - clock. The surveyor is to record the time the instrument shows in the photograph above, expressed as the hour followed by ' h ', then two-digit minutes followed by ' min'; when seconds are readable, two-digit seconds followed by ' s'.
10 h 41 min
